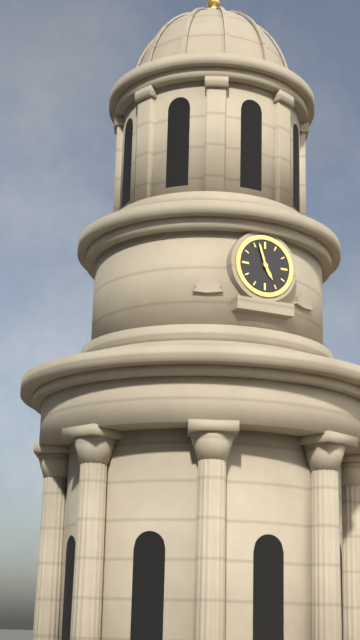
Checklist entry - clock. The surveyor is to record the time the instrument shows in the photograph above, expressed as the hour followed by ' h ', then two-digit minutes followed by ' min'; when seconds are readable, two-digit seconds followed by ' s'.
4 h 57 min
